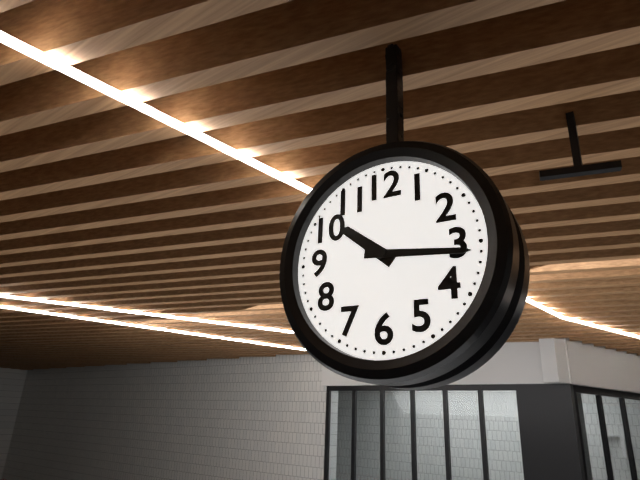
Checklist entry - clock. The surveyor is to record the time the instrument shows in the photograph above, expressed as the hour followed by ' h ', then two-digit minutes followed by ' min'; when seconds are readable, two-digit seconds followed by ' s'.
10 h 16 min
